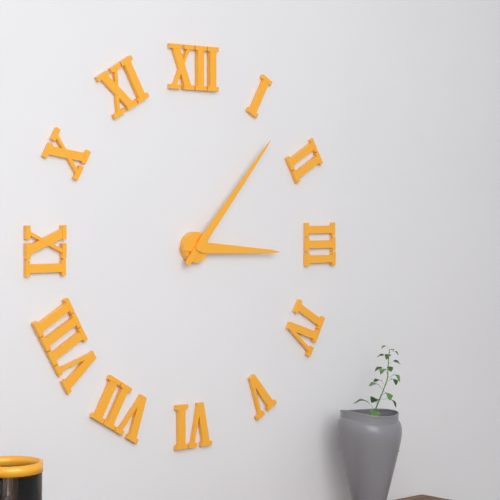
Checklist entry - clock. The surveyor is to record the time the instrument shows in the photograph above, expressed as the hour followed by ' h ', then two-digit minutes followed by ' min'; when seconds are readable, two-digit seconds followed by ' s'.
3 h 07 min
